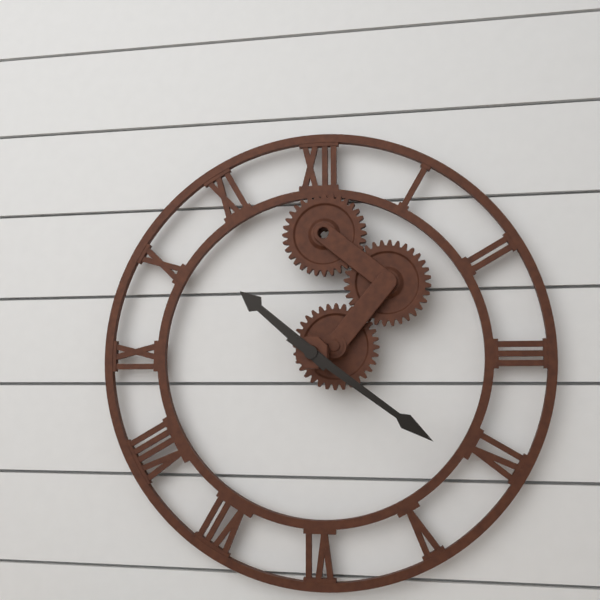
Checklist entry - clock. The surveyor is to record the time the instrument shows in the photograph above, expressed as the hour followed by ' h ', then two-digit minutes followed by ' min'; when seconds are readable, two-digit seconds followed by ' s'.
10 h 21 min
